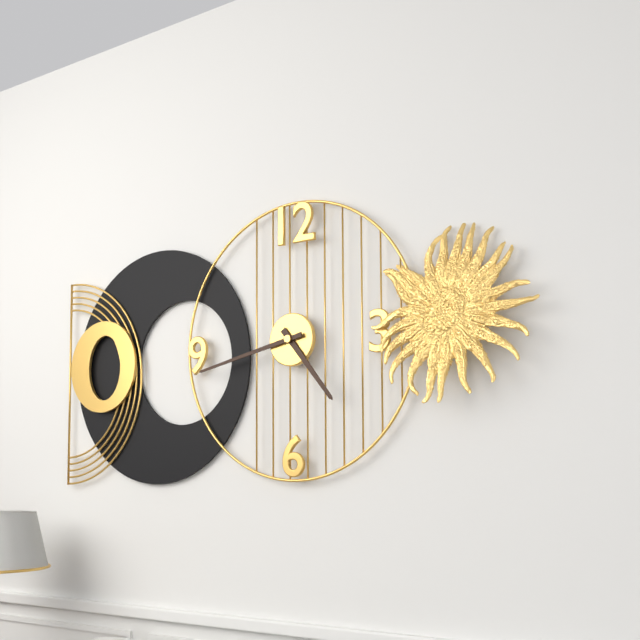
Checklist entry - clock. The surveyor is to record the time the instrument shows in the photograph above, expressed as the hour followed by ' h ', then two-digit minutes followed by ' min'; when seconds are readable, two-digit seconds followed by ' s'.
4 h 43 min
